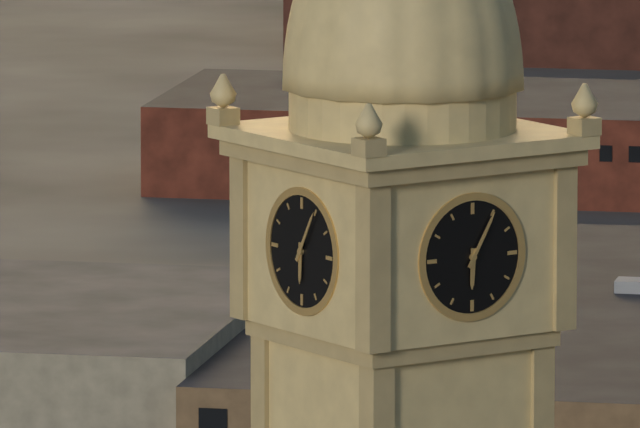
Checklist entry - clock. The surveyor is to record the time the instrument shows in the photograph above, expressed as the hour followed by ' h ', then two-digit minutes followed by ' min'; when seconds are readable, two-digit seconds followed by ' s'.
6 h 05 min
